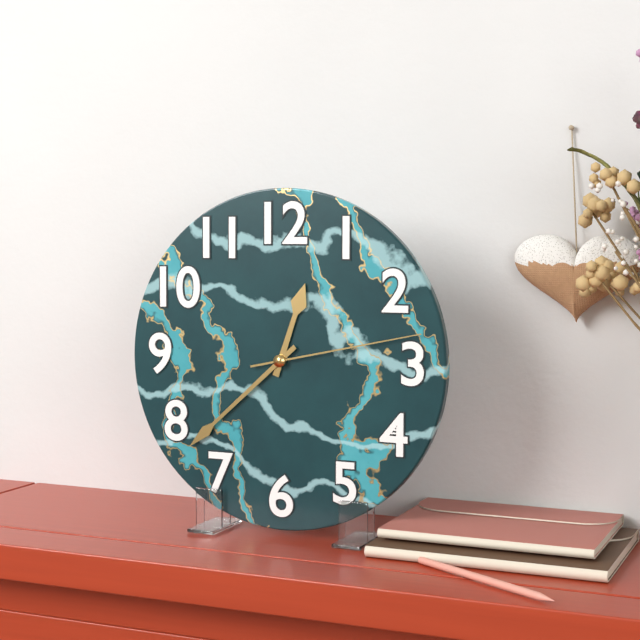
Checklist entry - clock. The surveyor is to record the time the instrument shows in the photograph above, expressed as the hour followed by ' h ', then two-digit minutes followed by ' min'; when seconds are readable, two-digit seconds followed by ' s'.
12 h 38 min 13 s
